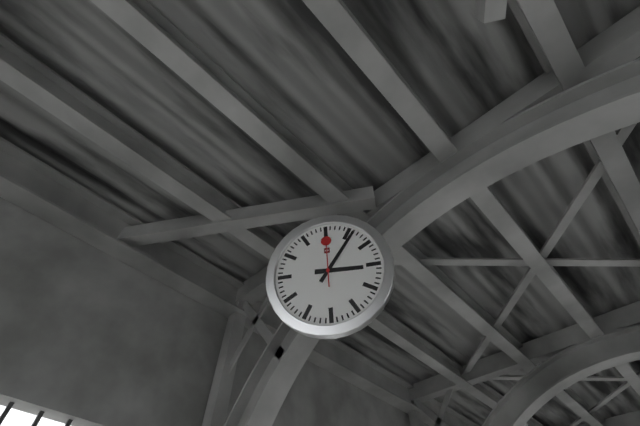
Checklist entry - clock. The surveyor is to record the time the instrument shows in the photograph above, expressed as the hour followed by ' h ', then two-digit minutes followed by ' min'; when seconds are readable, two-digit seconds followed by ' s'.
3 h 06 min
